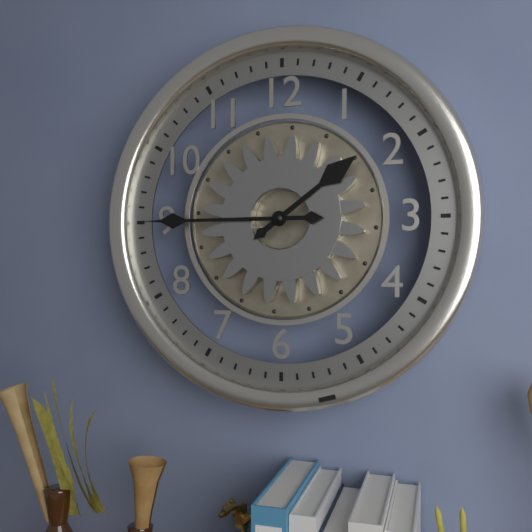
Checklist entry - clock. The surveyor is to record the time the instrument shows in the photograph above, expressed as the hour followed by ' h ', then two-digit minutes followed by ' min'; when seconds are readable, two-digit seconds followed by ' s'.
1 h 45 min
